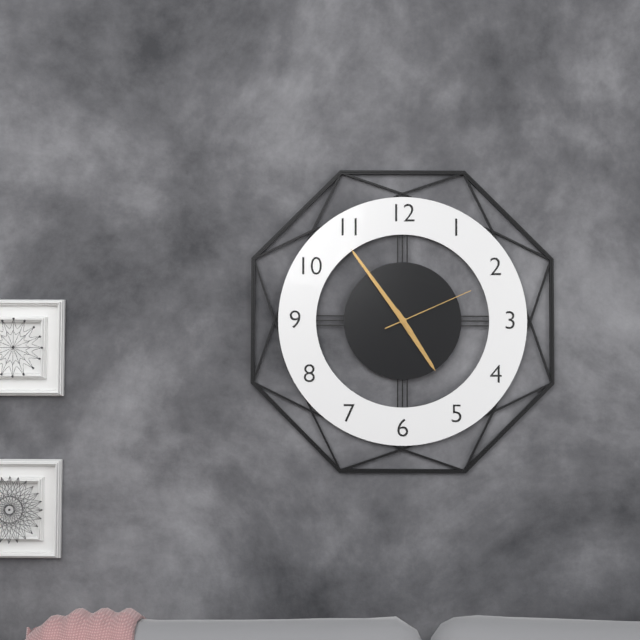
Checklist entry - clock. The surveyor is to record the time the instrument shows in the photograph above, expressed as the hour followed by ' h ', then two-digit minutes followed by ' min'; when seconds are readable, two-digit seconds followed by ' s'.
4 h 54 min 11 s
